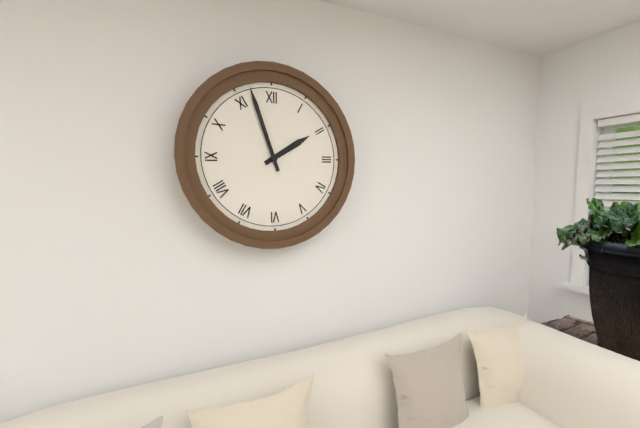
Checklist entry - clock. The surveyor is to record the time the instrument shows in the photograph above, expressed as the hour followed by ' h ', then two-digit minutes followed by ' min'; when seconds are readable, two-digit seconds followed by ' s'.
1 h 57 min
